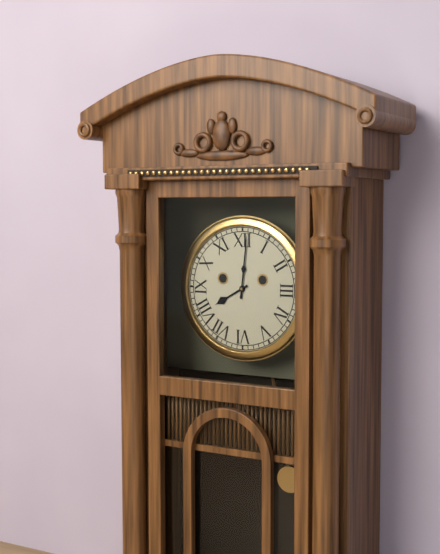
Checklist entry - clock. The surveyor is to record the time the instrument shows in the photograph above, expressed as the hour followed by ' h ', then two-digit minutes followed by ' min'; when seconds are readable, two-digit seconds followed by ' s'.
8 h 01 min
